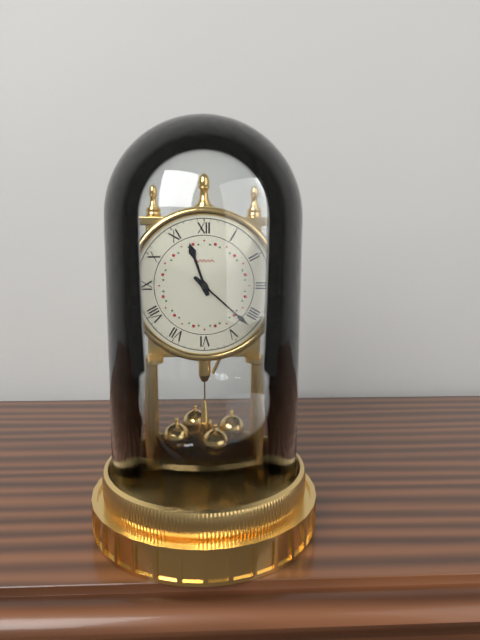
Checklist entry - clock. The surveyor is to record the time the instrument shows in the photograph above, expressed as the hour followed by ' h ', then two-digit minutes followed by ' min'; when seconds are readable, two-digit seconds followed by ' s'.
11 h 22 min
